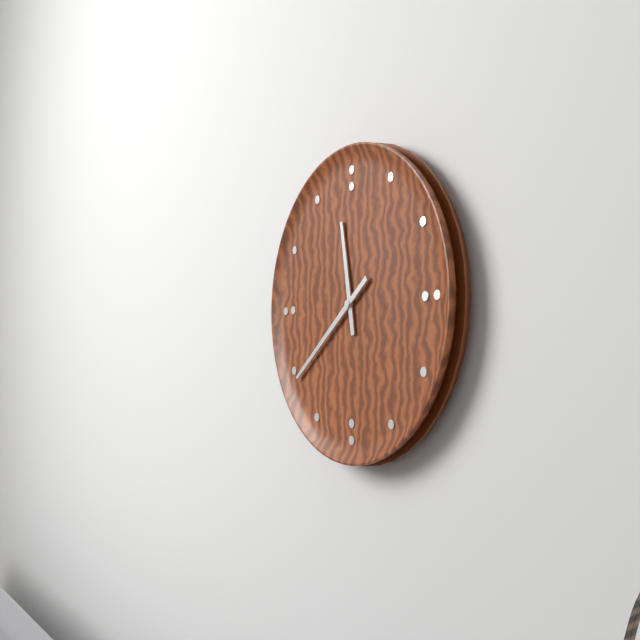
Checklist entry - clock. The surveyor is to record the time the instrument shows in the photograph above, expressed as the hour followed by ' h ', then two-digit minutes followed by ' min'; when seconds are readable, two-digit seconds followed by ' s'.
11 h 39 min
